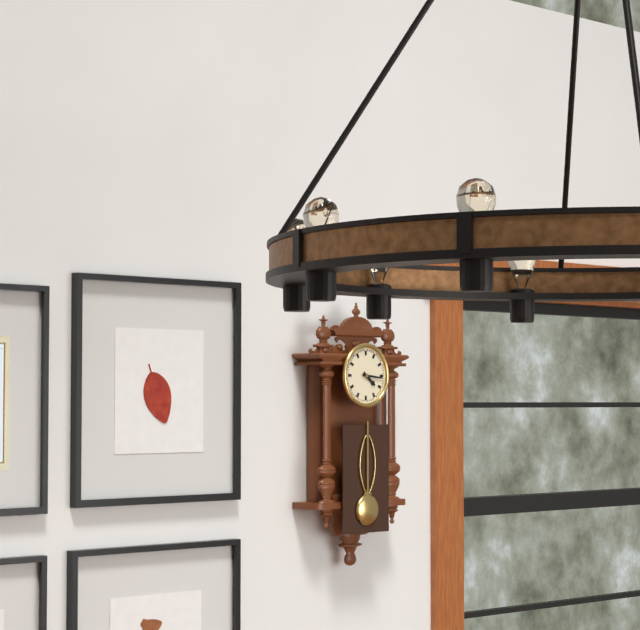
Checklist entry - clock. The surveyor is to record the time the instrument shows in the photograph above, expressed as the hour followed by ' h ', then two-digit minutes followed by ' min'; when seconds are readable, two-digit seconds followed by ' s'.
4 h 16 min
